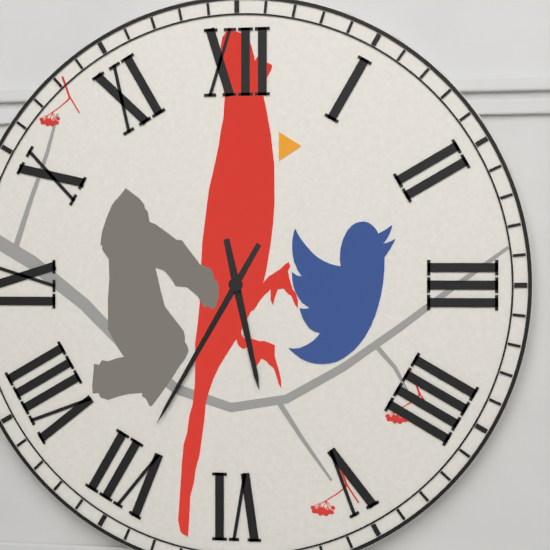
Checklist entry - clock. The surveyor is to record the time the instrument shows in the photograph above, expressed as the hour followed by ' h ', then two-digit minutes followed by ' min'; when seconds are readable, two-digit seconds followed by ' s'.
5 h 35 min
